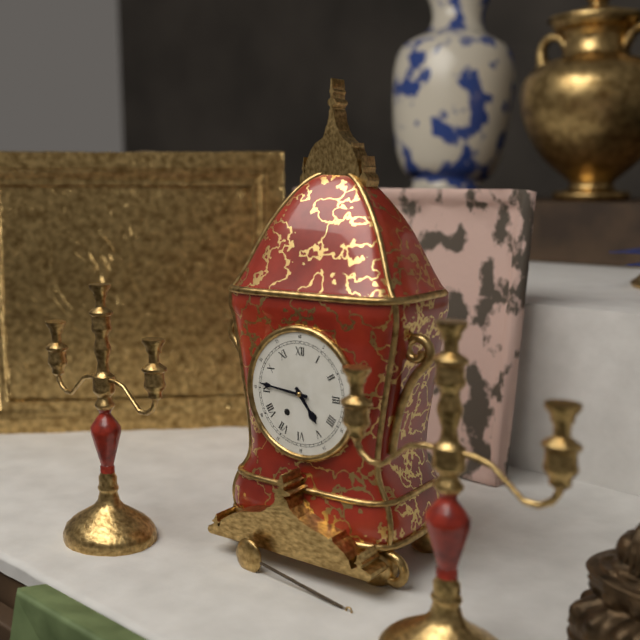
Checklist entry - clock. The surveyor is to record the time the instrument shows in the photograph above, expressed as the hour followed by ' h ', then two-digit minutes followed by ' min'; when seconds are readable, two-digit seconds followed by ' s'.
4 h 46 min
